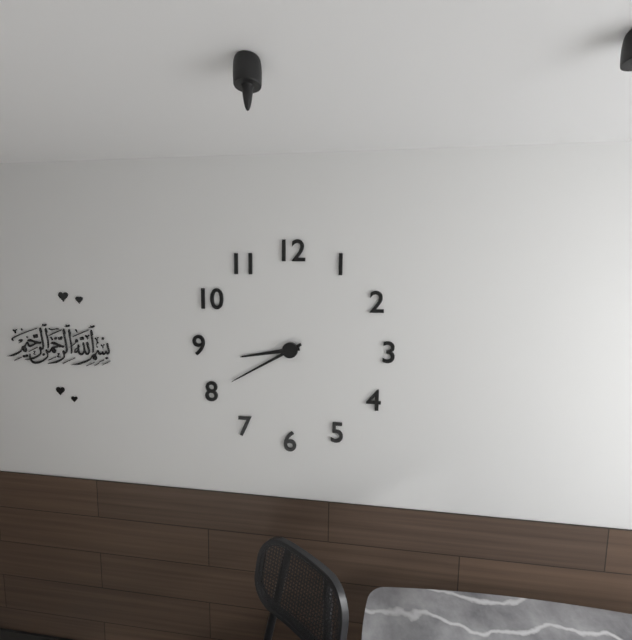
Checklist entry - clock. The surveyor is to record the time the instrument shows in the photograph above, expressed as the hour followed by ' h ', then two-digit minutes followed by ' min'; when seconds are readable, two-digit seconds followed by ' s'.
8 h 40 min
